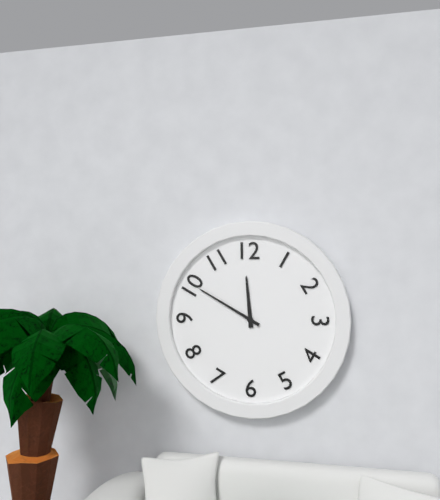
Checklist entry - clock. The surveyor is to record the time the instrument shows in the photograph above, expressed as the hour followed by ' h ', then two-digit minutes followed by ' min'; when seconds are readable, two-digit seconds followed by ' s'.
11 h 50 min
